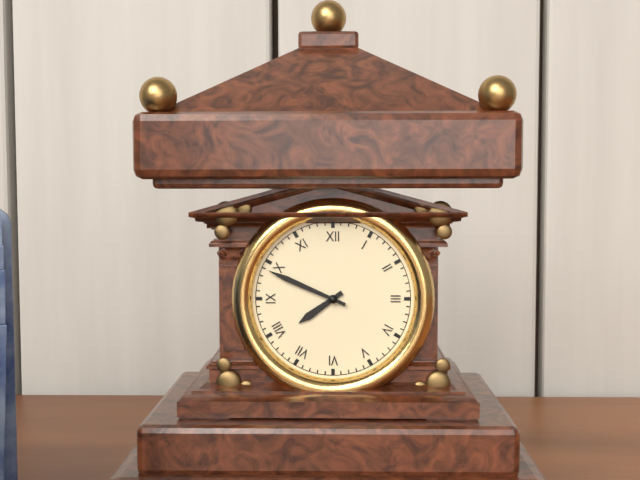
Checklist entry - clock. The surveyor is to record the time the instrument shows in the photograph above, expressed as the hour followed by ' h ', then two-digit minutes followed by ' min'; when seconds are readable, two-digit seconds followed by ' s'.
7 h 49 min
